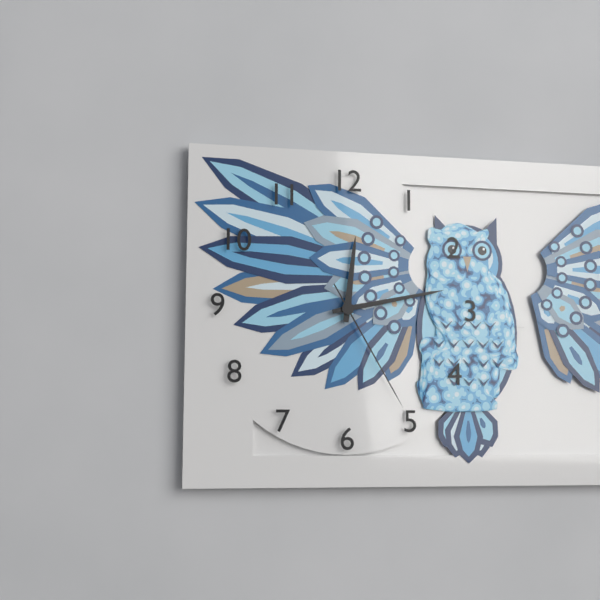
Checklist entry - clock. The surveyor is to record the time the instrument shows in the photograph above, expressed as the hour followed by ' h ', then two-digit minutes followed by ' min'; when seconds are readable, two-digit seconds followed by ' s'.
12 h 13 min 25 s
